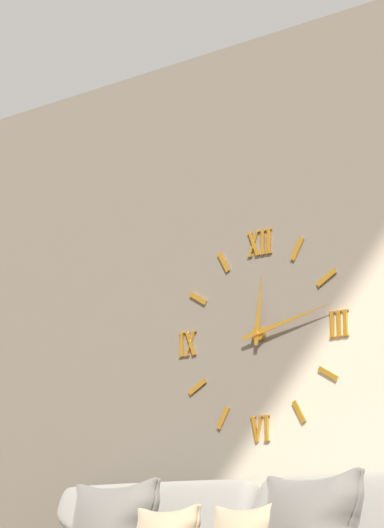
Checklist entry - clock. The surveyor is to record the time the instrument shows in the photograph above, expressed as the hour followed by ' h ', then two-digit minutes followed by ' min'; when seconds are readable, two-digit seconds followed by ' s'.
12 h 13 min
